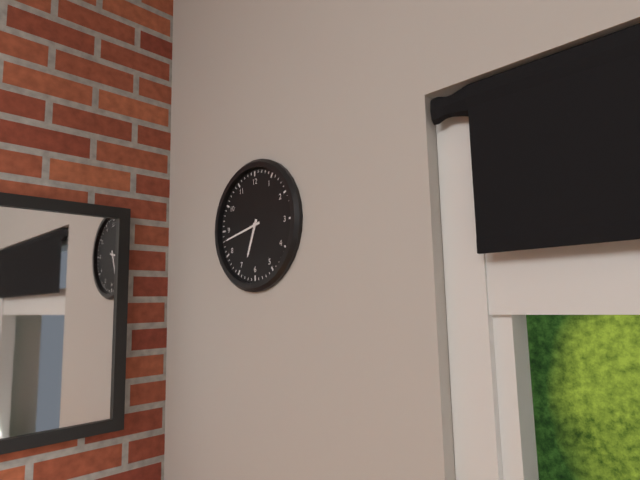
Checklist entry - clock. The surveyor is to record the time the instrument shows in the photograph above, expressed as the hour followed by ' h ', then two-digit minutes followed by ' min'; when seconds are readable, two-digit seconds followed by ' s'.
6 h 43 min
